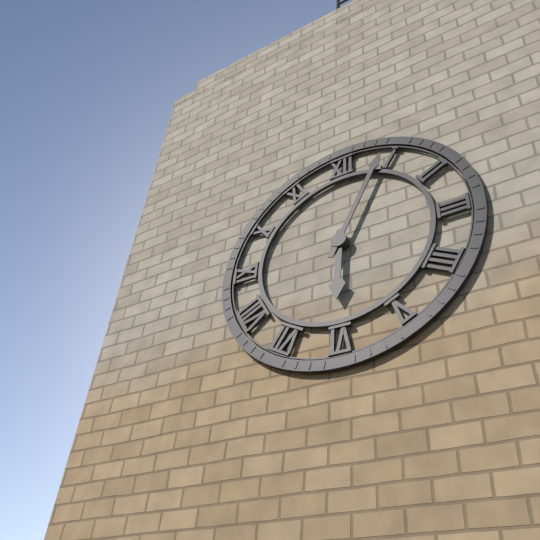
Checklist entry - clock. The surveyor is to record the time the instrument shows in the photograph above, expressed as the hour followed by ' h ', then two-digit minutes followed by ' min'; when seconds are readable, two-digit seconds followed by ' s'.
6 h 04 min
